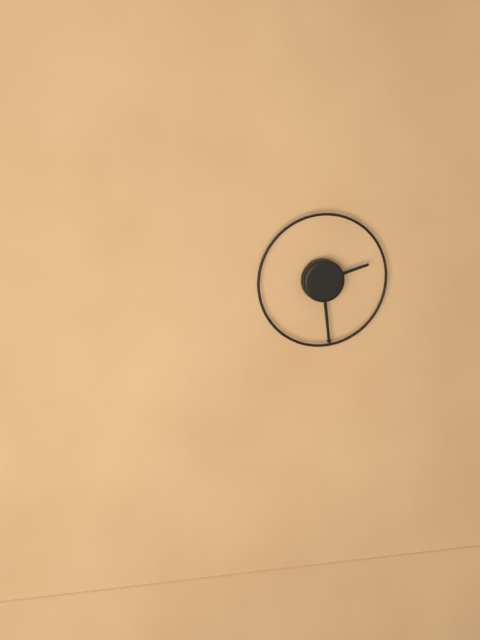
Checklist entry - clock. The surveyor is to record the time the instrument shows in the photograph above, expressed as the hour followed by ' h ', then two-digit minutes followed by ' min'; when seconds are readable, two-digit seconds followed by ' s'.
2 h 29 min
